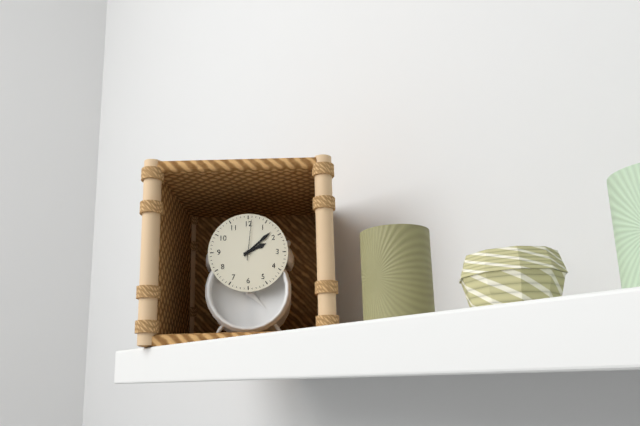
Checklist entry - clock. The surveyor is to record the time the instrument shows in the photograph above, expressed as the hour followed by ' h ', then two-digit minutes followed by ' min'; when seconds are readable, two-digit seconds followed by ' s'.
2 h 08 min
